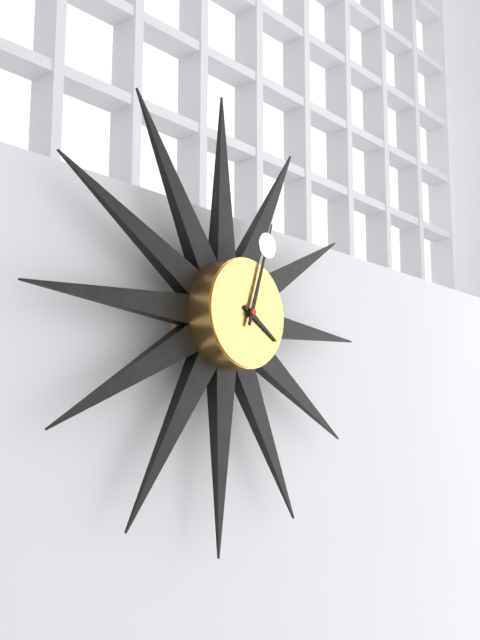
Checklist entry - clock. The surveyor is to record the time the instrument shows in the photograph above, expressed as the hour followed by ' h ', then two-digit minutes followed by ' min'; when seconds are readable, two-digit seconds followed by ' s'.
4 h 03 min
